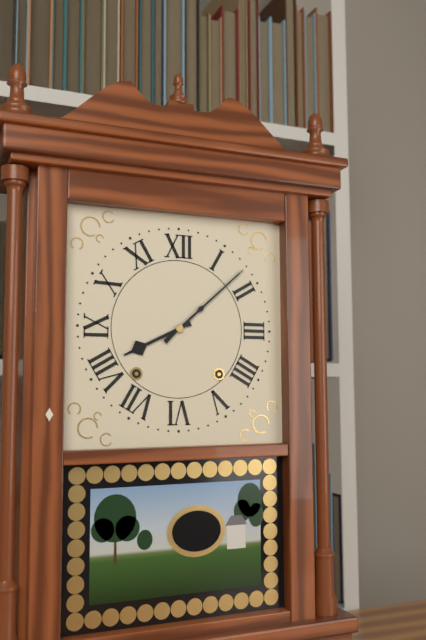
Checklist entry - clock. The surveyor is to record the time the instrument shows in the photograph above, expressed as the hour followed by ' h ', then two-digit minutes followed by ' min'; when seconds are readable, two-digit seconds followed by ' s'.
8 h 08 min
